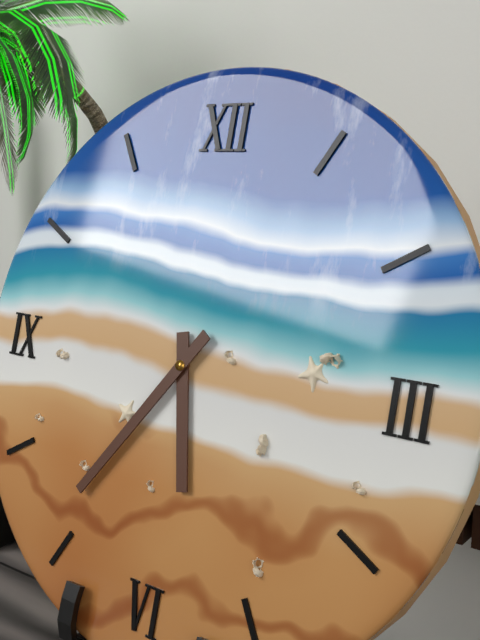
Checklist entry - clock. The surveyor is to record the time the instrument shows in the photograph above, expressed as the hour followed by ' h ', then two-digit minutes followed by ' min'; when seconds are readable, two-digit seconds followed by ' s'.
5 h 36 min
